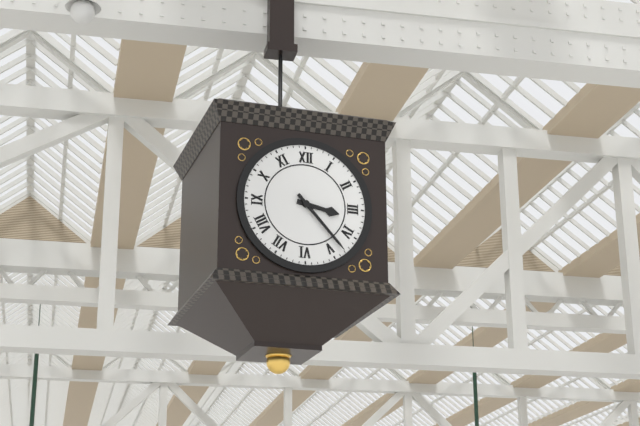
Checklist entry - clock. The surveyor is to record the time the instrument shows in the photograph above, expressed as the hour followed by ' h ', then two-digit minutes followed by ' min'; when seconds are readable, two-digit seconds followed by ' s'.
3 h 23 min
